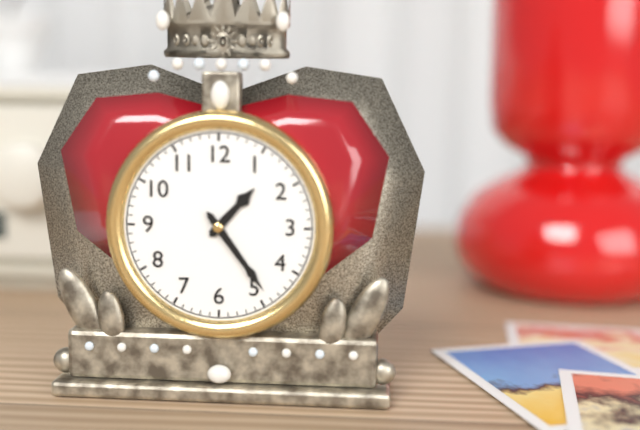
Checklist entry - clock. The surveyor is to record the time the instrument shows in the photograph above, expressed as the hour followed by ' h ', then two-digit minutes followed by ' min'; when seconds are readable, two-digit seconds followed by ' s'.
1 h 24 min
